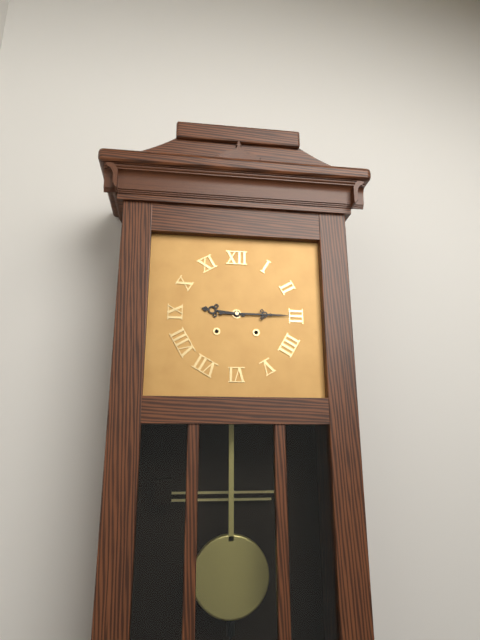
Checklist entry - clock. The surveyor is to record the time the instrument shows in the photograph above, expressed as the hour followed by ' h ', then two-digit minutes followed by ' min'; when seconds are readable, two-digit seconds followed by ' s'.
9 h 15 min
